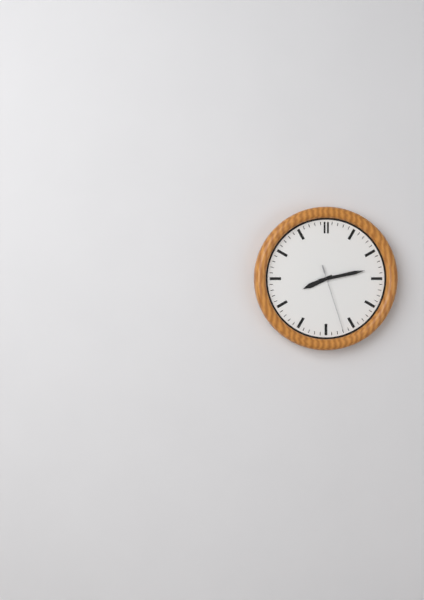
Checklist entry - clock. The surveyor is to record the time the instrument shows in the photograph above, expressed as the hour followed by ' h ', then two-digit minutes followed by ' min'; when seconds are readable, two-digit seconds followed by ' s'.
8 h 13 min 27 s
